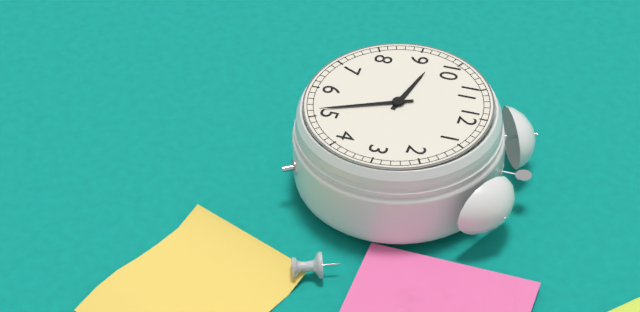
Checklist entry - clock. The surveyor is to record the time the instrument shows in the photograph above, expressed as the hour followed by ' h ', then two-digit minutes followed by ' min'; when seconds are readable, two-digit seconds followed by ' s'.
9 h 26 min
